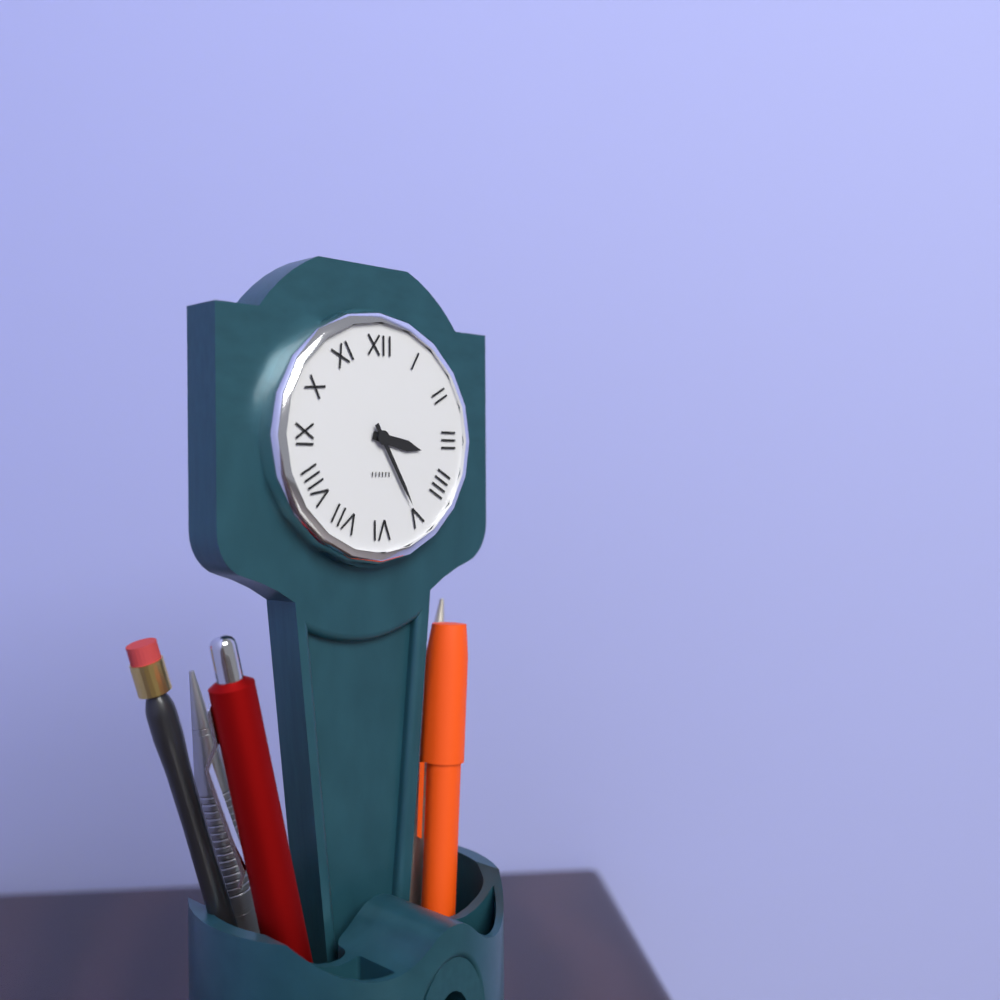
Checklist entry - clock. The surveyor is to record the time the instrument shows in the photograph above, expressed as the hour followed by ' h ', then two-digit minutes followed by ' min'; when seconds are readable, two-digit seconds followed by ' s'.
3 h 25 min
